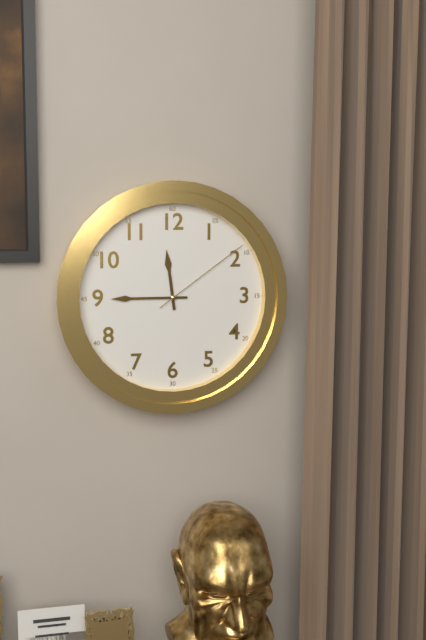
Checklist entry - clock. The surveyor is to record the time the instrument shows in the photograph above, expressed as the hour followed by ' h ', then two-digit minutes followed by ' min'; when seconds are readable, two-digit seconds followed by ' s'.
11 h 45 min 09 s
